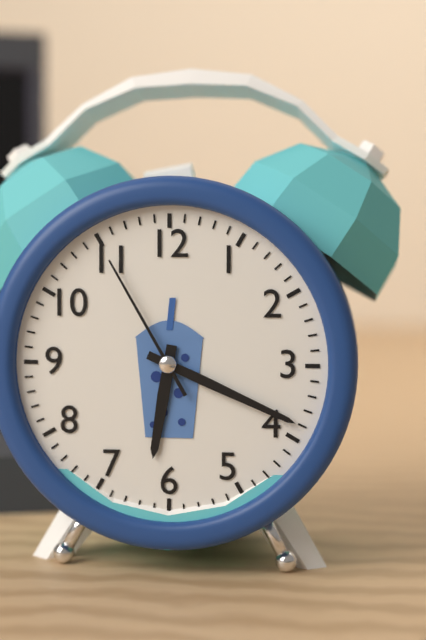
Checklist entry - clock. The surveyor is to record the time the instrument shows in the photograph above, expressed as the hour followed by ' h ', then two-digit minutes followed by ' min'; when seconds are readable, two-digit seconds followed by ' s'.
6 h 19 min 55 s
